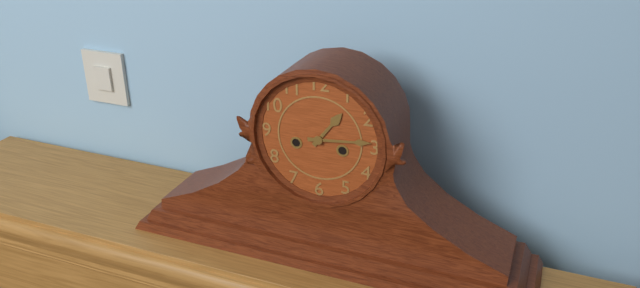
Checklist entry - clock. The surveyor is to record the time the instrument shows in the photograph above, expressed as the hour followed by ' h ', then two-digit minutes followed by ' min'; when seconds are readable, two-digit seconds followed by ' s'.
1 h 14 min
